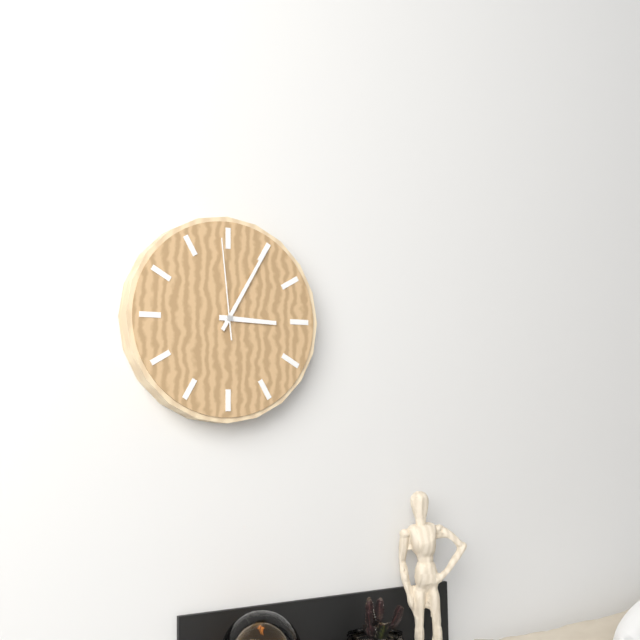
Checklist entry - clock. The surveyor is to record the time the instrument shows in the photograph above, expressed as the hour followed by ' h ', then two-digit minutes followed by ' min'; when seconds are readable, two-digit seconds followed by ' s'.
3 h 05 min 59 s
